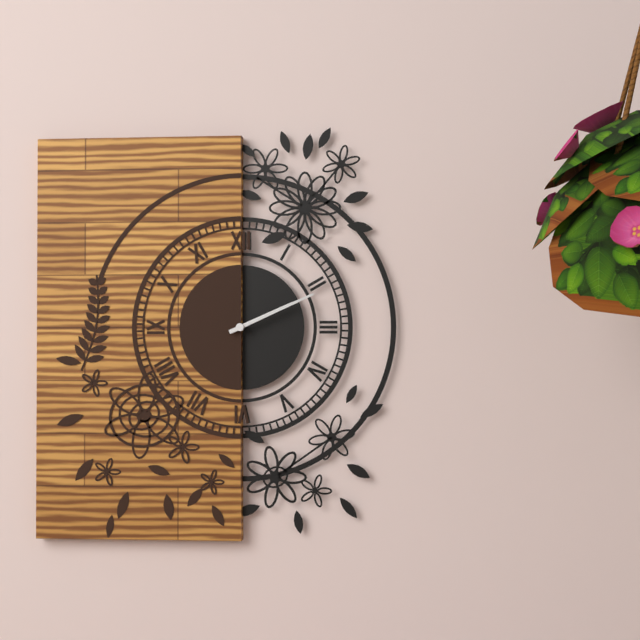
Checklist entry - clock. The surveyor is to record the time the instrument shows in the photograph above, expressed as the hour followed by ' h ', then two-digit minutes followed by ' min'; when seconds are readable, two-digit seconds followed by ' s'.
2 h 11 min
